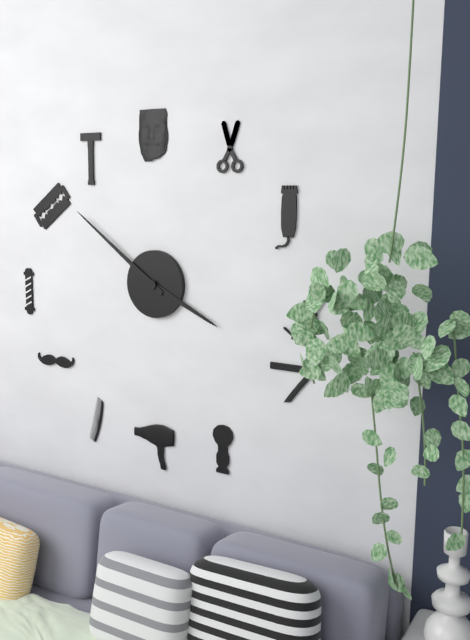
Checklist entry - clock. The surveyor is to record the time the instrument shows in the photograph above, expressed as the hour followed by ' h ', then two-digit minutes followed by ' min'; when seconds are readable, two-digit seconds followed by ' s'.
3 h 51 min
